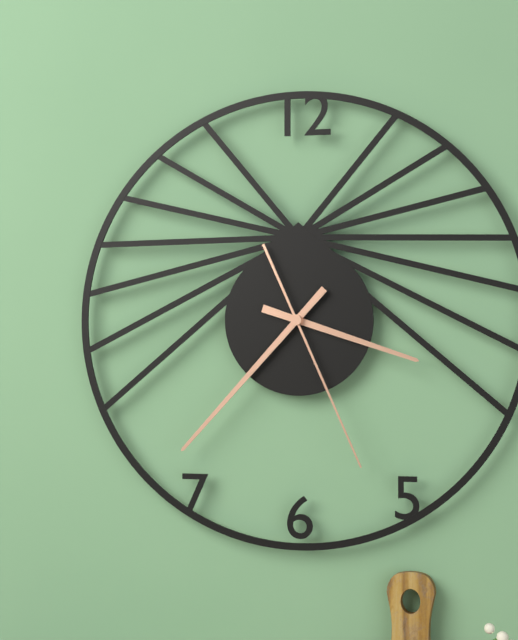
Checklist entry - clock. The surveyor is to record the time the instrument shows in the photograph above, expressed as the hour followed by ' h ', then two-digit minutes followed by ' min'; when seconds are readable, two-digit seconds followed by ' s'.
3 h 37 min 26 s
